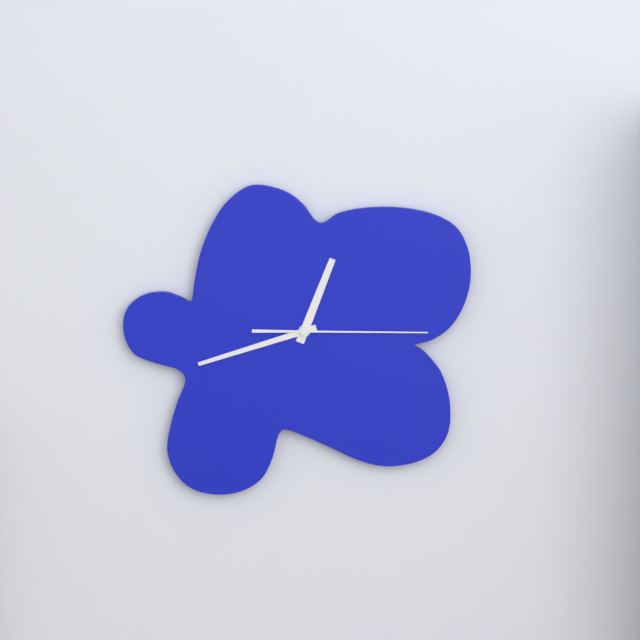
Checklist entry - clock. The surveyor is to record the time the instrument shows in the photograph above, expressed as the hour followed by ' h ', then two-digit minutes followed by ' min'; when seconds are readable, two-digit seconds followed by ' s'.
12 h 42 min 15 s
